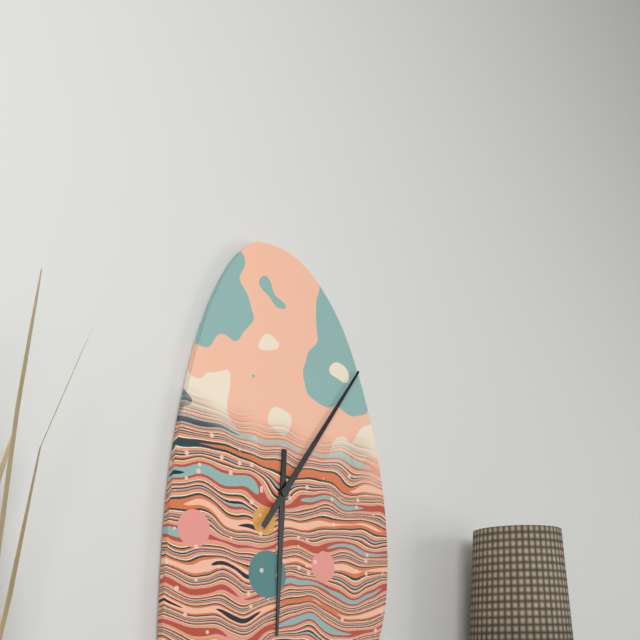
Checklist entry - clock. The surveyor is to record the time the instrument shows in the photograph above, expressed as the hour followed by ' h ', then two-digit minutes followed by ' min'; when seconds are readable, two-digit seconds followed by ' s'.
6 h 06 min
